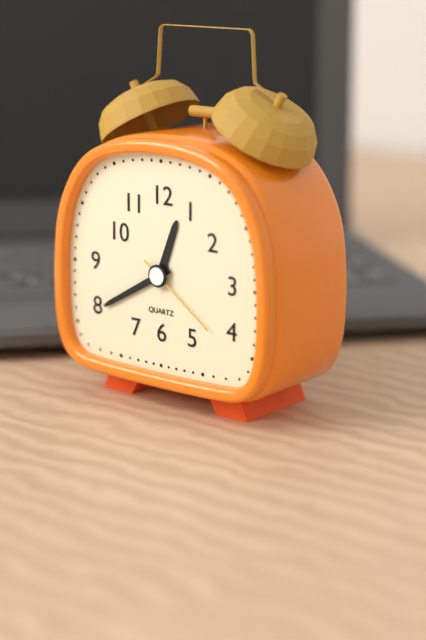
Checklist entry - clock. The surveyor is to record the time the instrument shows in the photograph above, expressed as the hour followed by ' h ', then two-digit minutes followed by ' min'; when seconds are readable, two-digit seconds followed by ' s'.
12 h 40 min 21 s
